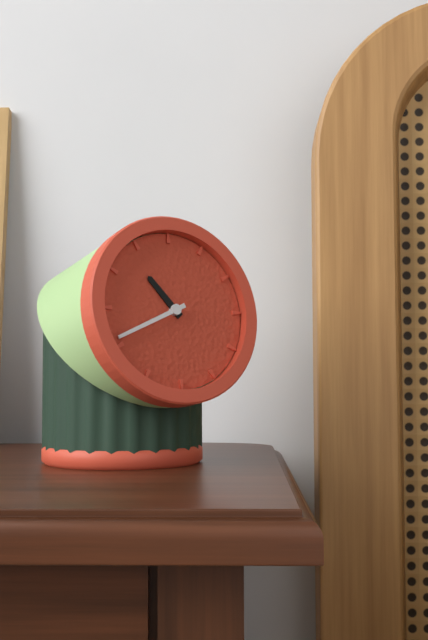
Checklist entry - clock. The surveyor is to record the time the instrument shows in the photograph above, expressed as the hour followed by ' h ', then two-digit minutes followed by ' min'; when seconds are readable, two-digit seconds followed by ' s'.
10 h 41 min
